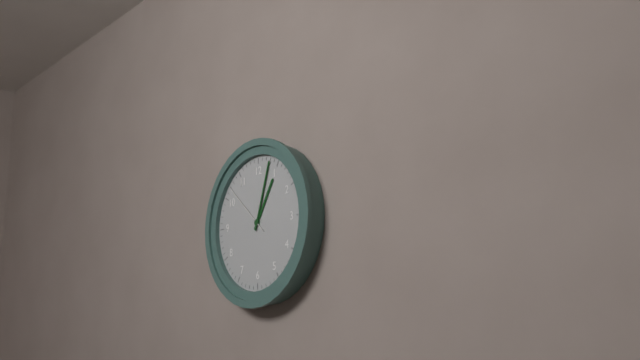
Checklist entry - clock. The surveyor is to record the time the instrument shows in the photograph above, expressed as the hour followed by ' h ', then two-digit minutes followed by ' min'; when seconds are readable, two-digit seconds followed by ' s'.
1 h 03 min 52 s
